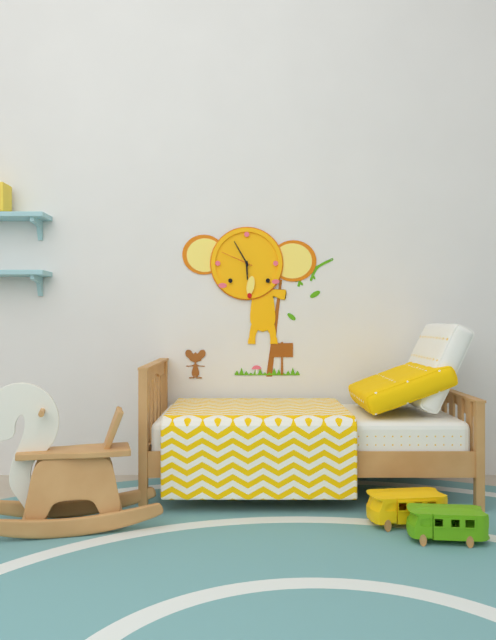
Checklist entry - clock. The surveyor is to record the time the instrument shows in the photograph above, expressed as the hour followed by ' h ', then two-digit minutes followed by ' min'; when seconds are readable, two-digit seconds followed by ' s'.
5 h 55 min
